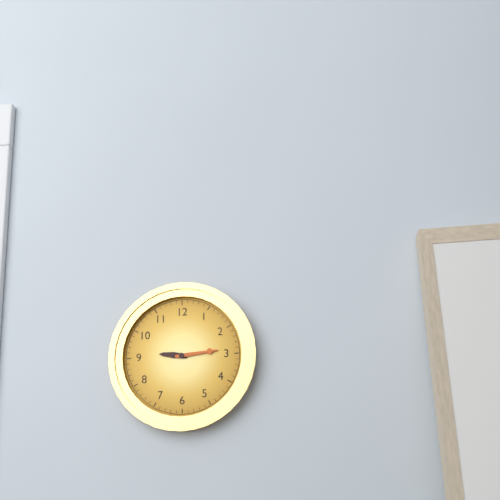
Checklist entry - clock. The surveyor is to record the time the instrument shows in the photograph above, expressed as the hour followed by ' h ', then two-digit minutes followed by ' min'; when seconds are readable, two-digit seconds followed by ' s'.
9 h 14 min
